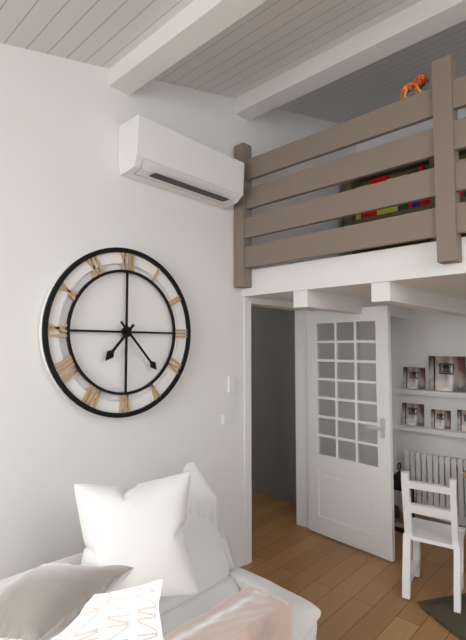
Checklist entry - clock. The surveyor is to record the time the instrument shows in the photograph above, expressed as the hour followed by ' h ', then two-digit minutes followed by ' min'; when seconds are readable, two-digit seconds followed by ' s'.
7 h 23 min
